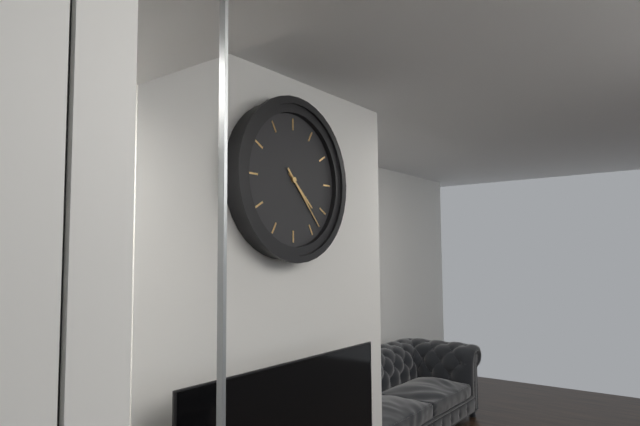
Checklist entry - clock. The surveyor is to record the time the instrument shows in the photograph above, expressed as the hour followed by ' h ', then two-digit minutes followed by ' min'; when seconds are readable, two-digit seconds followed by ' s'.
4 h 23 min
